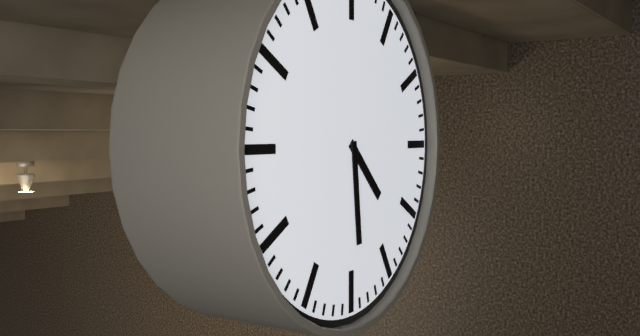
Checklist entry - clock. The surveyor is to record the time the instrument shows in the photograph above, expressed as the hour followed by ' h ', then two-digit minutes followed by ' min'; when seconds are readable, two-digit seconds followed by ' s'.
4 h 29 min
